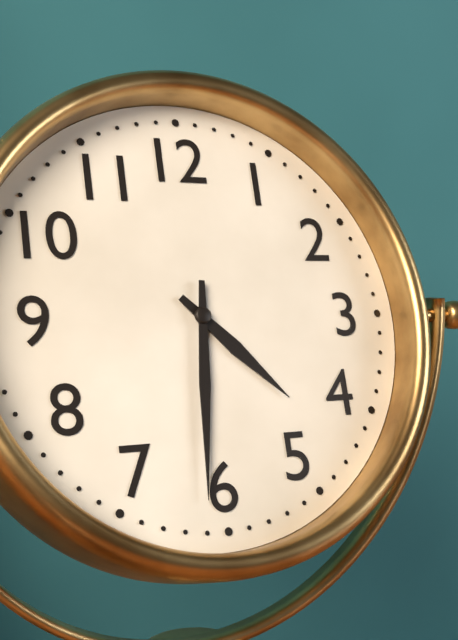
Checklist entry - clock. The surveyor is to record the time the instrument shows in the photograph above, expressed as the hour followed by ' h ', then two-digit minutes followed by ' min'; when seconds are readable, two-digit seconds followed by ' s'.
4 h 31 min
